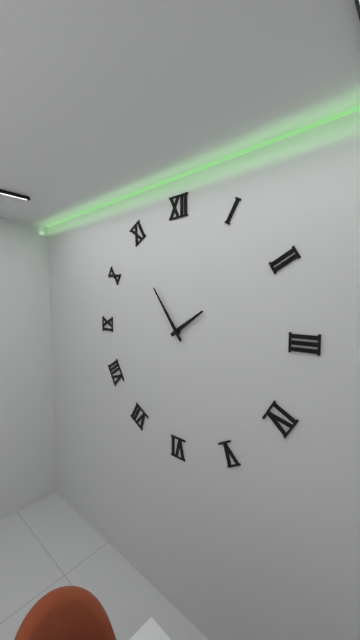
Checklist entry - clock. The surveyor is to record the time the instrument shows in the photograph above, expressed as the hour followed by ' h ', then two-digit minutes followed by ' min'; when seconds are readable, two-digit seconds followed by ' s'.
1 h 54 min
